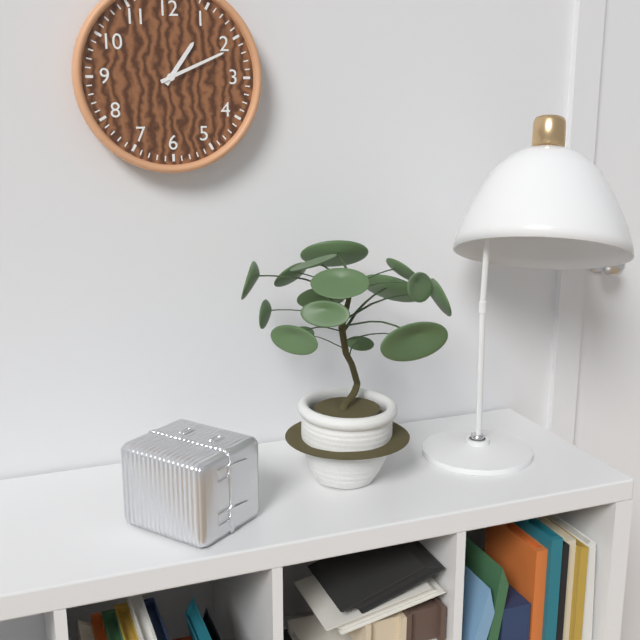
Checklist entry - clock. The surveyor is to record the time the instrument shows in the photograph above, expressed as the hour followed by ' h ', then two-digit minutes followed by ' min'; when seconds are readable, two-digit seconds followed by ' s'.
1 h 11 min
